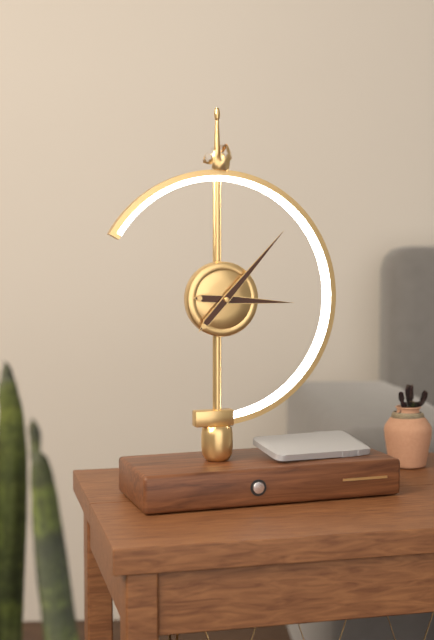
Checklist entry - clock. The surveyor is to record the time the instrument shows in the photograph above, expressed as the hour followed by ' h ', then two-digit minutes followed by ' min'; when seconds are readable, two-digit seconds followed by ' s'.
3 h 07 min
